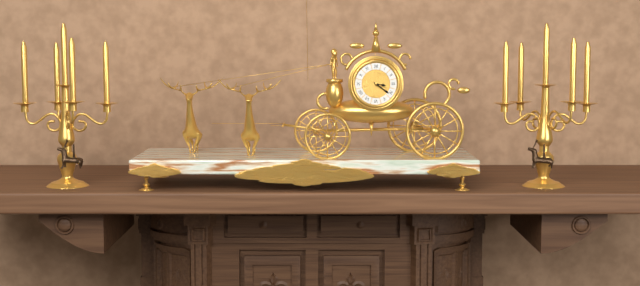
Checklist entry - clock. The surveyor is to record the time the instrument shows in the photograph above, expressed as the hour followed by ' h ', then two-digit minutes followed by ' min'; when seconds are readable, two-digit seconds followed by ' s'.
3 h 21 min
